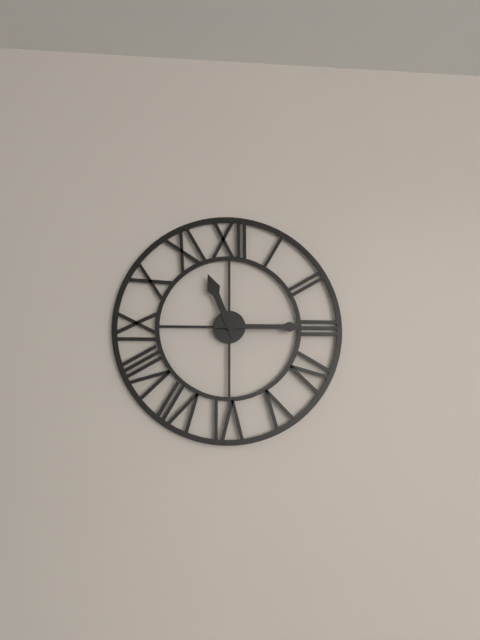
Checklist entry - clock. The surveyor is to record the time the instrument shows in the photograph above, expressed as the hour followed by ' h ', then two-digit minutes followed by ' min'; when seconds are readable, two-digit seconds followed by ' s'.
11 h 15 min
